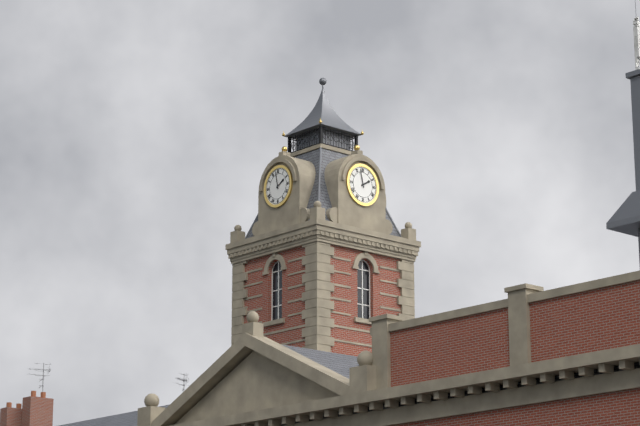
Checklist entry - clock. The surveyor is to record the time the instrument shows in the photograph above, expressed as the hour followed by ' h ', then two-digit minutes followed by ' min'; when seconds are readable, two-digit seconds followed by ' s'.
1 h 58 min
